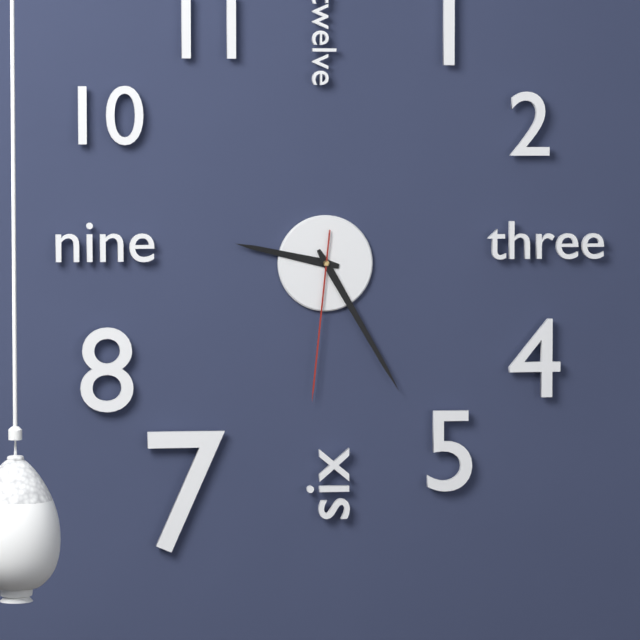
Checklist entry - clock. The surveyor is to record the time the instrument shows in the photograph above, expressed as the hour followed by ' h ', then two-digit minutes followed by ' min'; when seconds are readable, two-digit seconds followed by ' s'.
9 h 25 min 31 s
